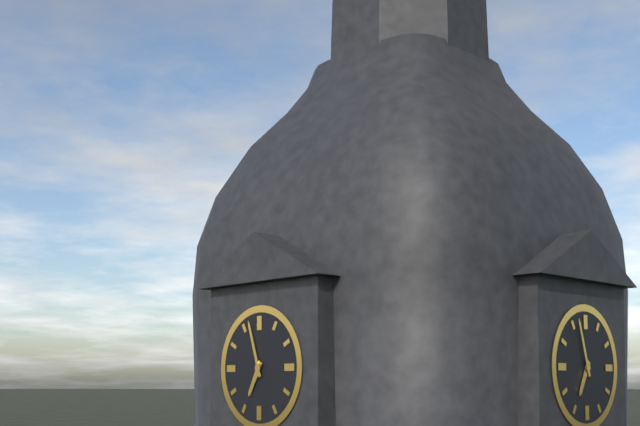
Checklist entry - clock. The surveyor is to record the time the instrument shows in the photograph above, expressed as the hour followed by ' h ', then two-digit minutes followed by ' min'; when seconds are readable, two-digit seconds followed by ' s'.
6 h 57 min
